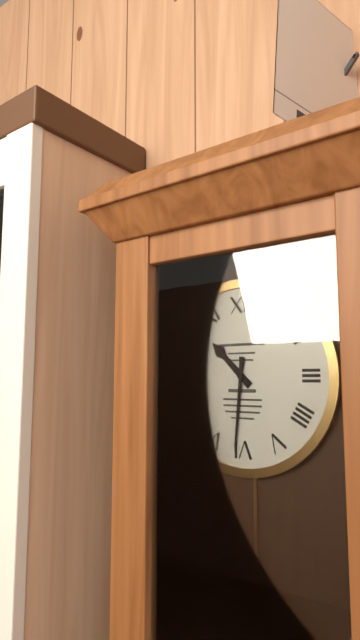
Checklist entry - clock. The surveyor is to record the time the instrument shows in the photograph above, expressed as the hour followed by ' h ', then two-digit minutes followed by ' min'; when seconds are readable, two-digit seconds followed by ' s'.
10 h 31 min
